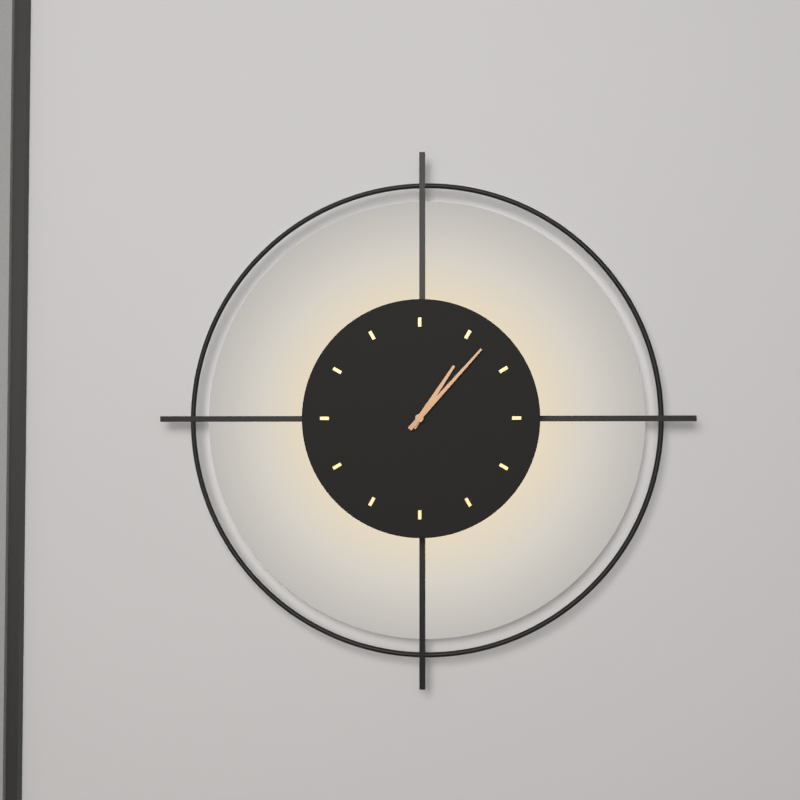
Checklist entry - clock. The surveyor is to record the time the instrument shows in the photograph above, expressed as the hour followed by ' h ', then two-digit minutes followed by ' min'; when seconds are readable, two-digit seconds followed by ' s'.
1 h 07 min
